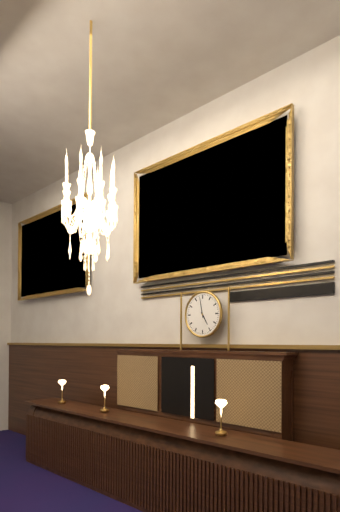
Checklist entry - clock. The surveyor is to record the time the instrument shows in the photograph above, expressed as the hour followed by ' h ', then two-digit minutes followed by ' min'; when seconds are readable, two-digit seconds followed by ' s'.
4 h 58 min
